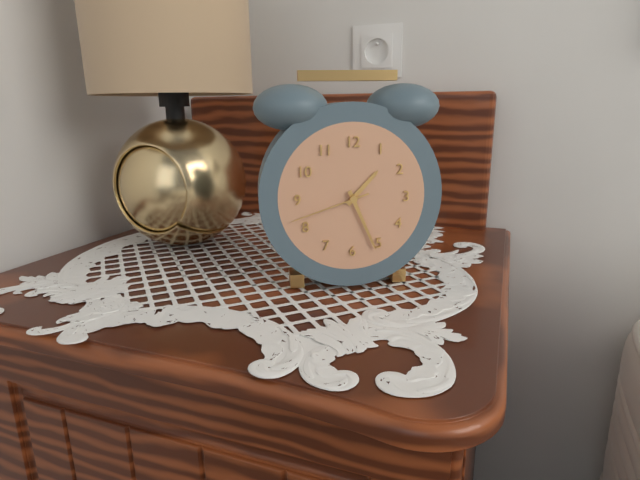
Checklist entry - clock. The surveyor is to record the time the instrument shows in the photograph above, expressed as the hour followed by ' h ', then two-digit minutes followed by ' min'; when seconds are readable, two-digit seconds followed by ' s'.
1 h 26 min 42 s
